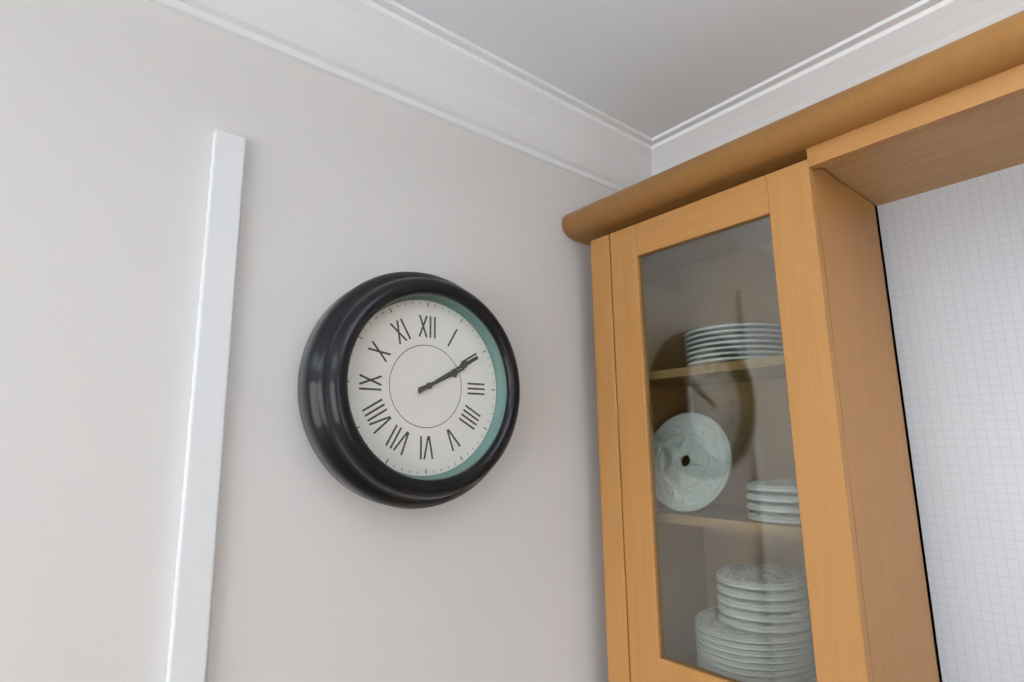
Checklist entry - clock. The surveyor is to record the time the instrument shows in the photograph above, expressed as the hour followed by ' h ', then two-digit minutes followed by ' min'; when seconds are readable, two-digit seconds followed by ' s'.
2 h 10 min
